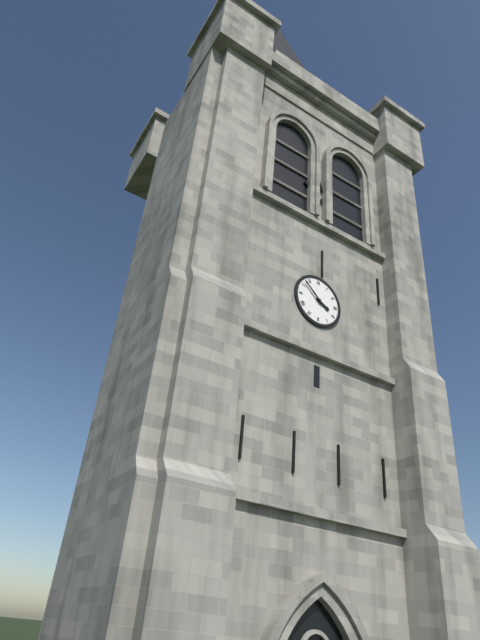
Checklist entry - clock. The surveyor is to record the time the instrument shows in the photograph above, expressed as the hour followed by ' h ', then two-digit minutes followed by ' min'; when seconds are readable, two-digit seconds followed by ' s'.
3 h 52 min
